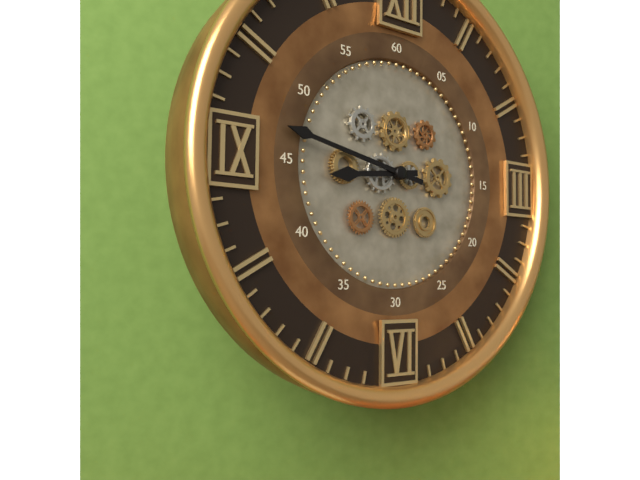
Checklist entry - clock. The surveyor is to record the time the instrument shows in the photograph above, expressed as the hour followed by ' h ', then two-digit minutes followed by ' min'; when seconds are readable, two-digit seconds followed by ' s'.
8 h 47 min
